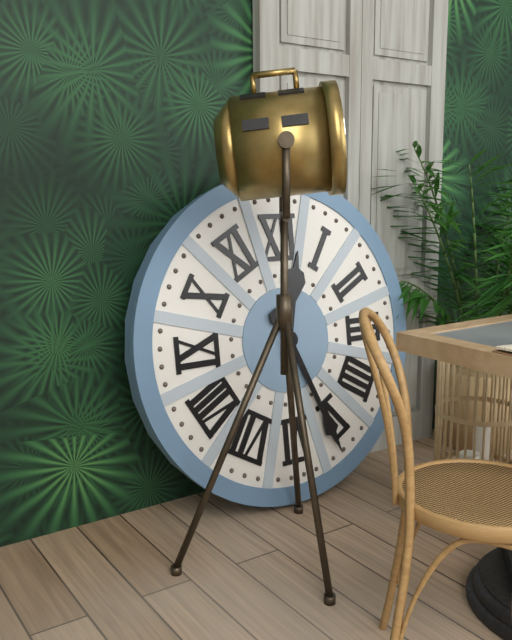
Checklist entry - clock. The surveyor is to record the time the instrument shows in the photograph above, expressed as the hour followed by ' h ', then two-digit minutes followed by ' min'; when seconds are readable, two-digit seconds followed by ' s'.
12 h 26 min
